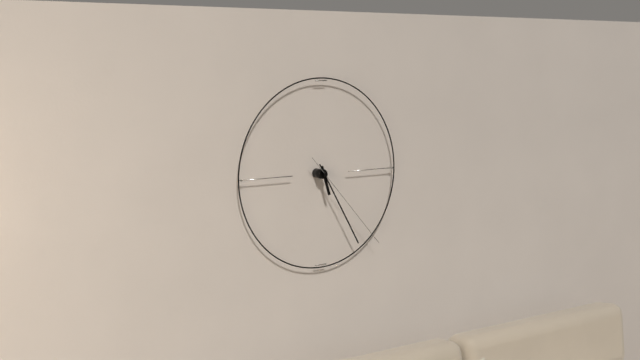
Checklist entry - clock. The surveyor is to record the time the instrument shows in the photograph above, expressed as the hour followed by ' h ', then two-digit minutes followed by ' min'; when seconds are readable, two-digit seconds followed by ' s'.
5 h 25 min 23 s
